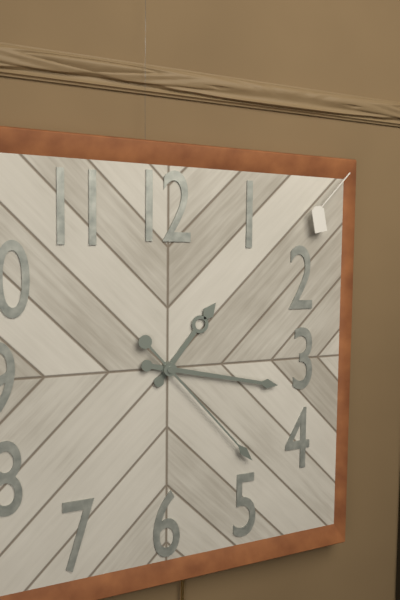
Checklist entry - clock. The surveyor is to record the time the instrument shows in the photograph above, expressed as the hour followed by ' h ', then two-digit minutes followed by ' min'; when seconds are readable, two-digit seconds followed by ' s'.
1 h 17 min 23 s
